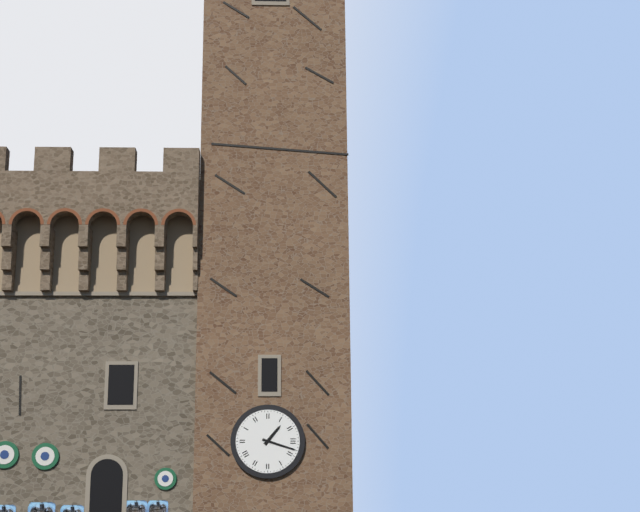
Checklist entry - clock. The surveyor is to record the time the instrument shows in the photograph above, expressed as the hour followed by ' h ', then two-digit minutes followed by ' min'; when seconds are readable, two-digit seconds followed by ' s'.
1 h 18 min
